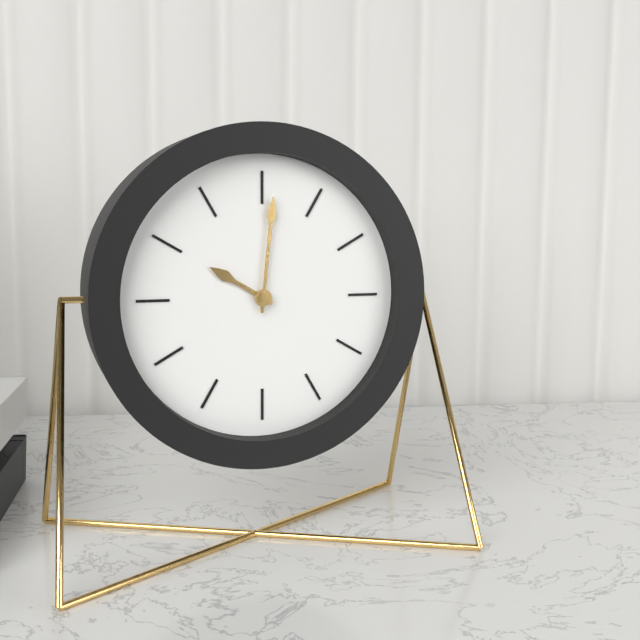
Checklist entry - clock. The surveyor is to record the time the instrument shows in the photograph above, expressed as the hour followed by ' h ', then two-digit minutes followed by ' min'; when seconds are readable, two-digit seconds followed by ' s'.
10 h 01 min
